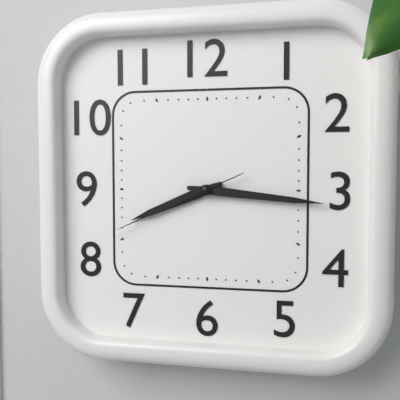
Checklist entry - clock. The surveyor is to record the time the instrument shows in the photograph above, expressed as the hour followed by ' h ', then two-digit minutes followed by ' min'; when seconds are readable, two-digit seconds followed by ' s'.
8 h 16 min 41 s
